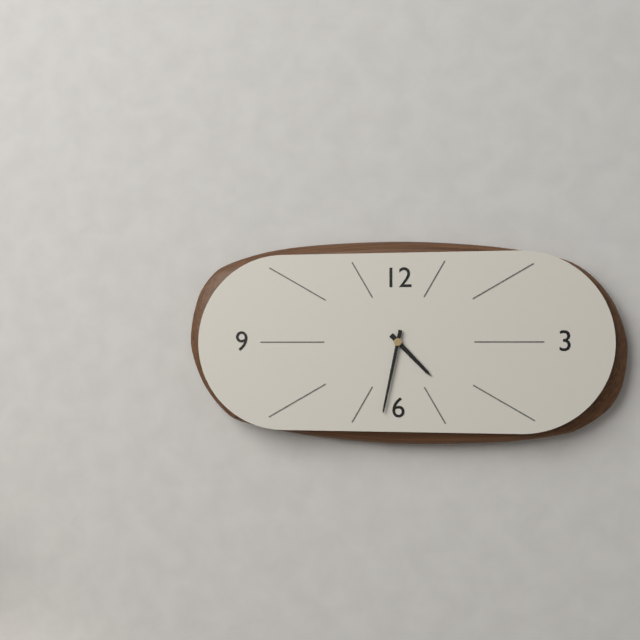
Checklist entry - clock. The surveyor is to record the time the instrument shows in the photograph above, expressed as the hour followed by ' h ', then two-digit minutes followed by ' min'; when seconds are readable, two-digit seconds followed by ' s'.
4 h 32 min
